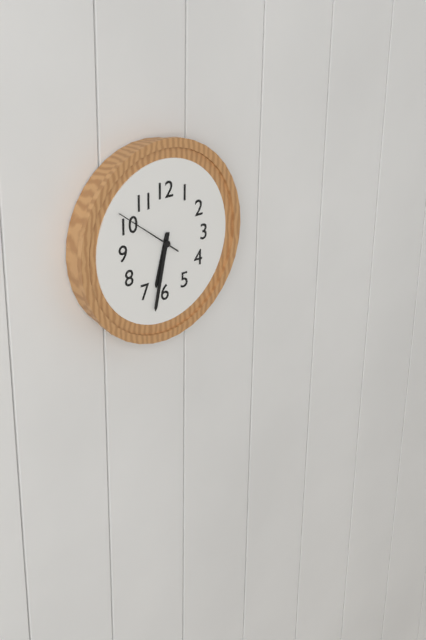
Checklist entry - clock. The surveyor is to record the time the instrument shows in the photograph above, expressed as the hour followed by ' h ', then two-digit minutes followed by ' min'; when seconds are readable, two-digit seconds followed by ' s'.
6 h 32 min 51 s
